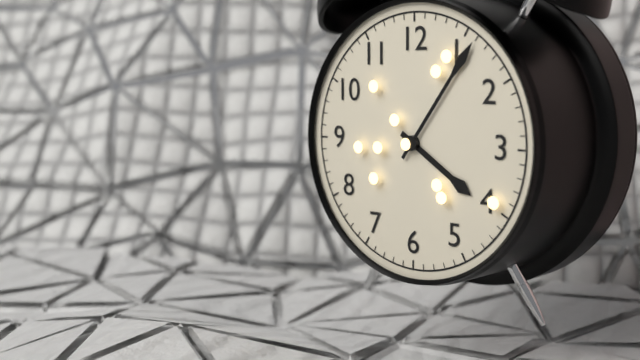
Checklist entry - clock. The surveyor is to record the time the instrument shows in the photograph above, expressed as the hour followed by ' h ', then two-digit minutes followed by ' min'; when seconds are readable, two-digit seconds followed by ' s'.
4 h 06 min
